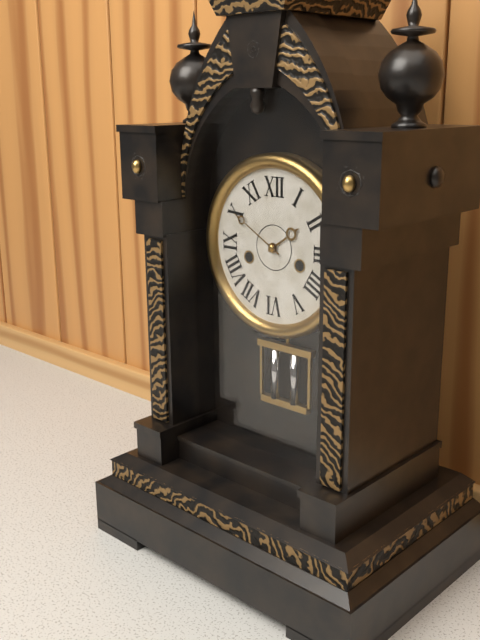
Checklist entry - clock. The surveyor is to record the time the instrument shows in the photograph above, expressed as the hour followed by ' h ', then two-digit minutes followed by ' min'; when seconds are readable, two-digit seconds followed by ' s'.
1 h 50 min
